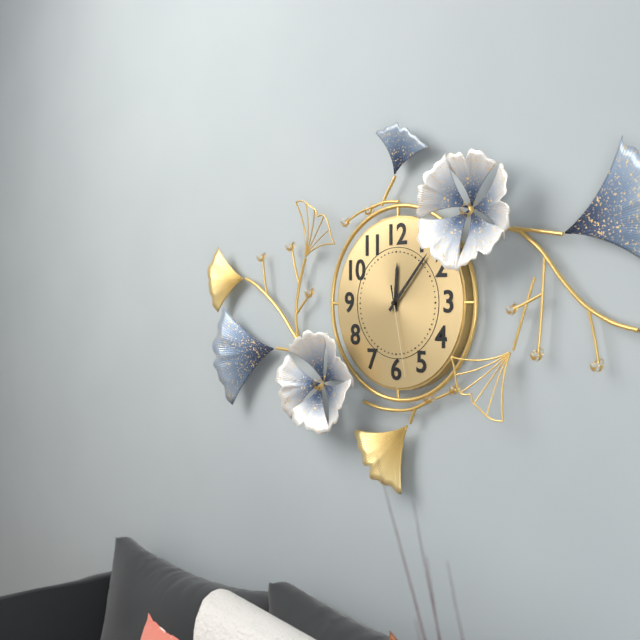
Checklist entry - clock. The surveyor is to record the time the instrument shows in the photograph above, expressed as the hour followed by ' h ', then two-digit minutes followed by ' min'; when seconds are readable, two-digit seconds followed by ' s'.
12 h 07 min 28 s
